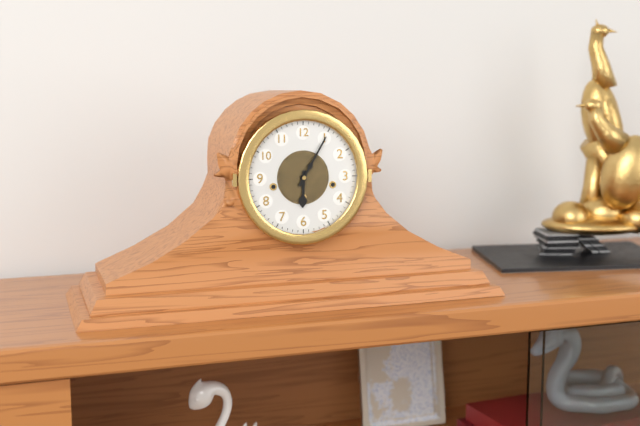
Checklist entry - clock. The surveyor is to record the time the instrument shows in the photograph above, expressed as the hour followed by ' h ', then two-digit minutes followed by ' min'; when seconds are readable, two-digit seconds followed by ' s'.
6 h 05 min
